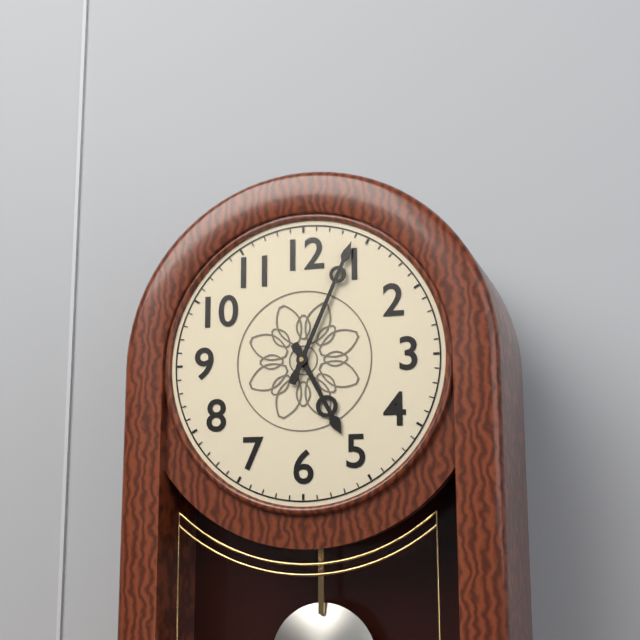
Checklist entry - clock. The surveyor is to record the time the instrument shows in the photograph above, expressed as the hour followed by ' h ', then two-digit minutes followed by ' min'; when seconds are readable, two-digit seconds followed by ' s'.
5 h 04 min
